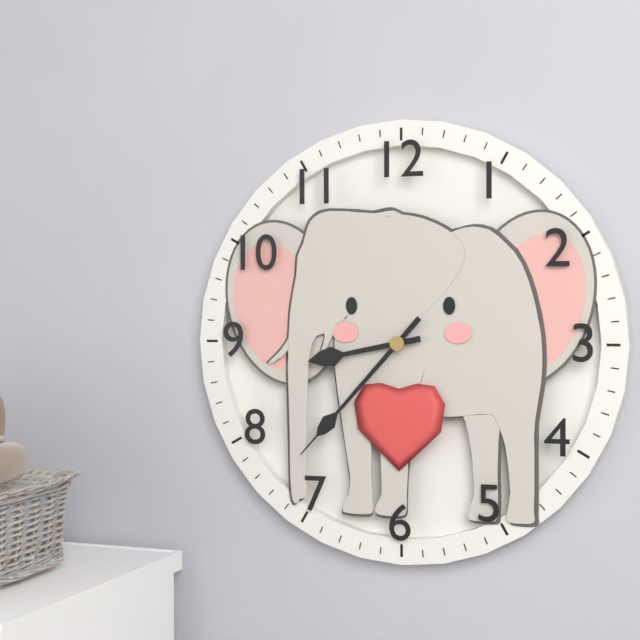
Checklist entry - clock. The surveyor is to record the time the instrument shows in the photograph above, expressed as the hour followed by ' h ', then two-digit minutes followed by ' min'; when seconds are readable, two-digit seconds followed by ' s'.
8 h 37 min
